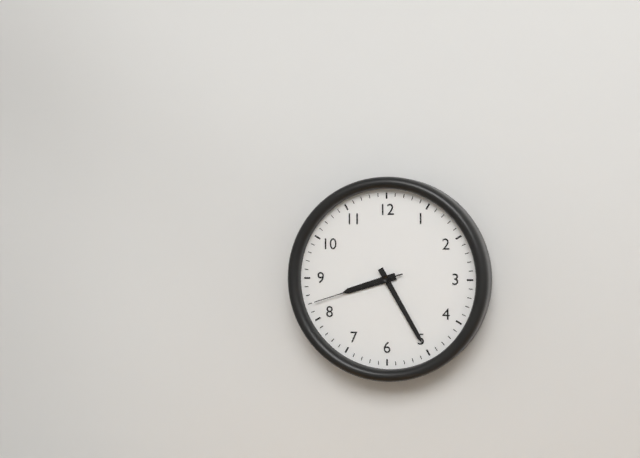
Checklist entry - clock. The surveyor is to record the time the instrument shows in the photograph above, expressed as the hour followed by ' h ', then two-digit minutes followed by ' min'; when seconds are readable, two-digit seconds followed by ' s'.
8 h 25 min 42 s
